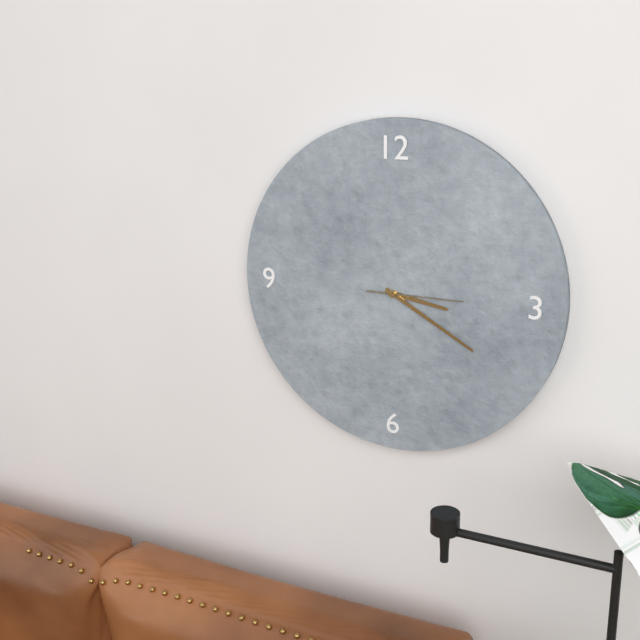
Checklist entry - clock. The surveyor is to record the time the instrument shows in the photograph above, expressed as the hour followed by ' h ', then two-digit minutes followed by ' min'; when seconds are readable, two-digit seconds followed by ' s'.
3 h 20 min 15 s
